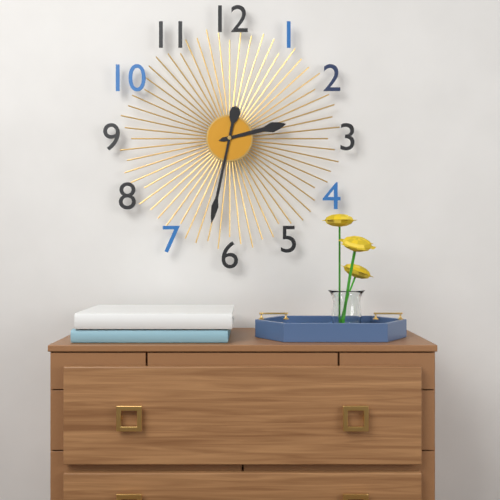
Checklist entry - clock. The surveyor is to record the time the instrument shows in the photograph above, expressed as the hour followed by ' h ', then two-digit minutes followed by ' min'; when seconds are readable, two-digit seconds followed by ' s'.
2 h 32 min
